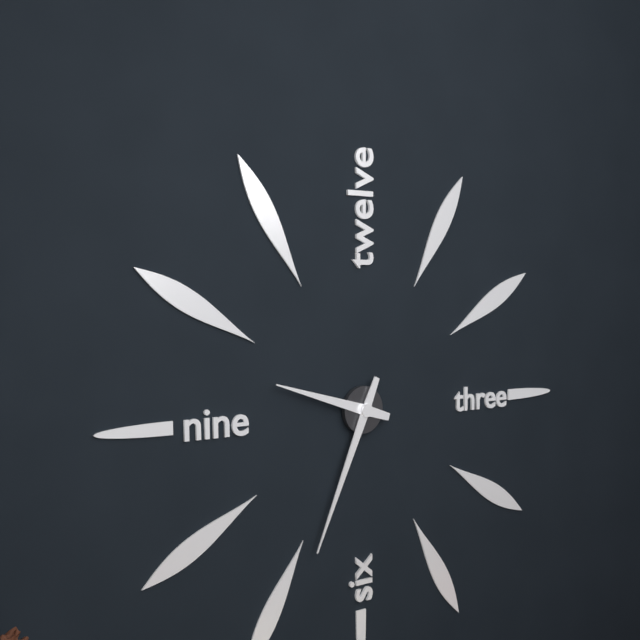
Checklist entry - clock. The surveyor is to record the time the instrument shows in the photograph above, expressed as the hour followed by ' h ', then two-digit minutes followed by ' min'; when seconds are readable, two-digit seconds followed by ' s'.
9 h 34 min
